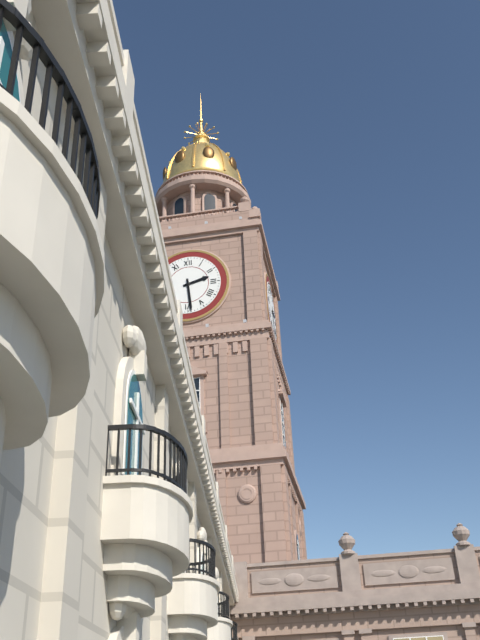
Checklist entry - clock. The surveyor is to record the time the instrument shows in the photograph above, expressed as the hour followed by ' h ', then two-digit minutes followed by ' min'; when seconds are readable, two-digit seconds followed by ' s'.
2 h 29 min
